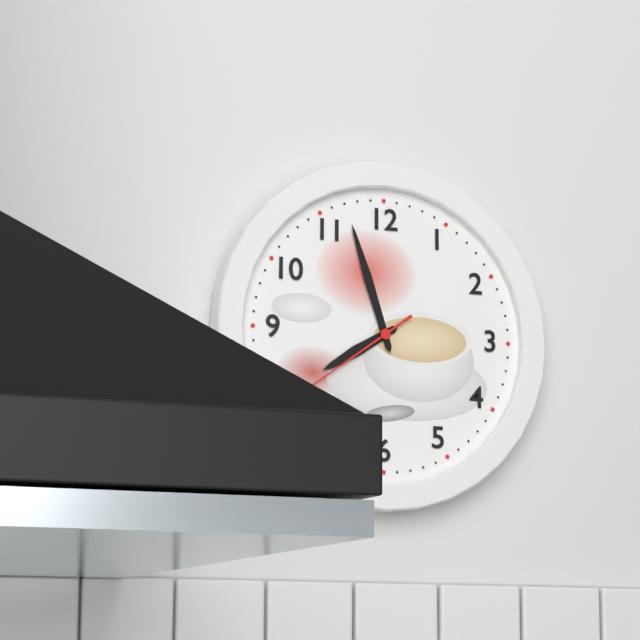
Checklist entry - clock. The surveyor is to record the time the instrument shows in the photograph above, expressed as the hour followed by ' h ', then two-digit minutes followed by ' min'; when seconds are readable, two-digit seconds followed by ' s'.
7 h 57 min 39 s
